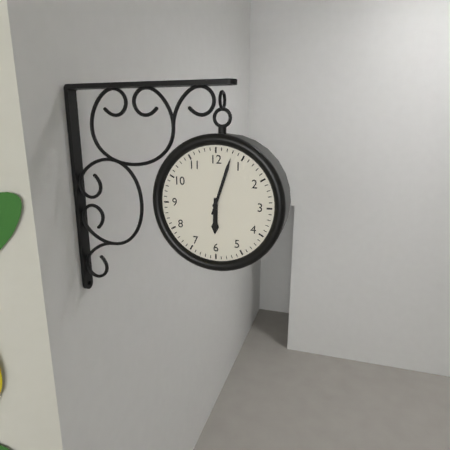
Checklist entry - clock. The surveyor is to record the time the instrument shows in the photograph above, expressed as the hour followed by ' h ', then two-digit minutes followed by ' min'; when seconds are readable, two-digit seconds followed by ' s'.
6 h 03 min
